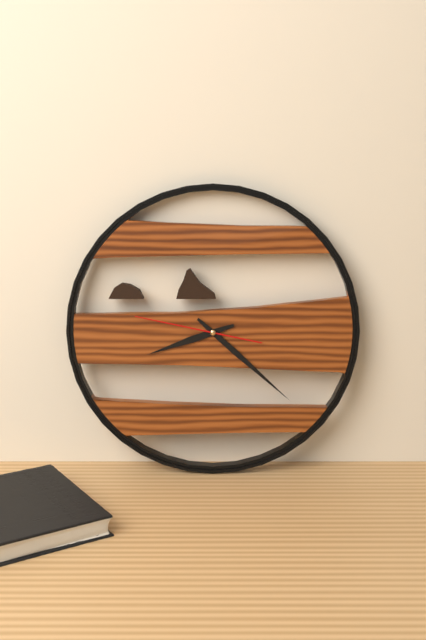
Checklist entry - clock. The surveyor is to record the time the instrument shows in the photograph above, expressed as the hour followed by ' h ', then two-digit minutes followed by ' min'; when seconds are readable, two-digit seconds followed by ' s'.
8 h 22 min 47 s
